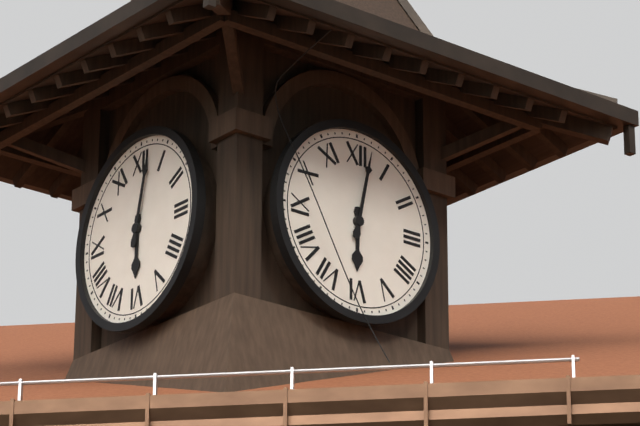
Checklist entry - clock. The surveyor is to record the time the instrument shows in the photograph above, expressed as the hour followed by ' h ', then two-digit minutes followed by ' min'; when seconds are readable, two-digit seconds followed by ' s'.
6 h 02 min
